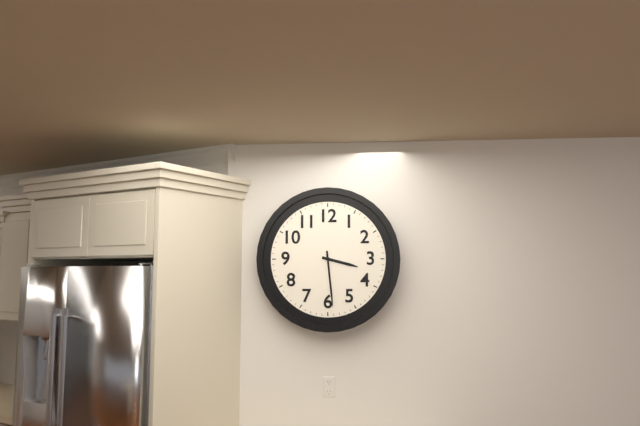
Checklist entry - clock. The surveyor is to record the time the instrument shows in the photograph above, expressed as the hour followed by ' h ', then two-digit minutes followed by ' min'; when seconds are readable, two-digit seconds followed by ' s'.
3 h 29 min
